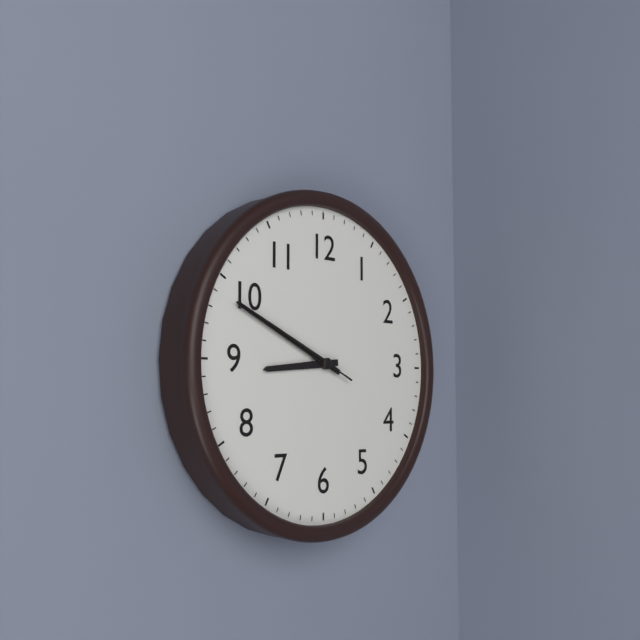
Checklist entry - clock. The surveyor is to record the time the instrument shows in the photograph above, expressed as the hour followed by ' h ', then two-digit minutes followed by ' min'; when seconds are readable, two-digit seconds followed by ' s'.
8 h 49 min 49 s
